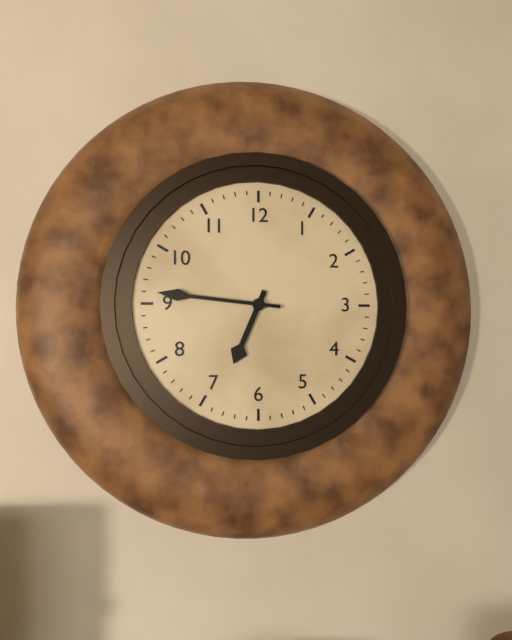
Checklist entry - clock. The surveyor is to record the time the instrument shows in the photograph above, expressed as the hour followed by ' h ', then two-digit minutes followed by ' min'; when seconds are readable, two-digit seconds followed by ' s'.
6 h 46 min
